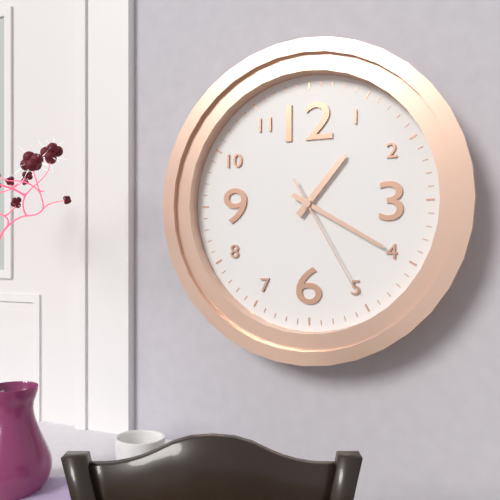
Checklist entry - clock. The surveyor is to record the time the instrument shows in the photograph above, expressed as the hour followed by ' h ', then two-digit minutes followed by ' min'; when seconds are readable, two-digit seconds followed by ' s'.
1 h 20 min 25 s
